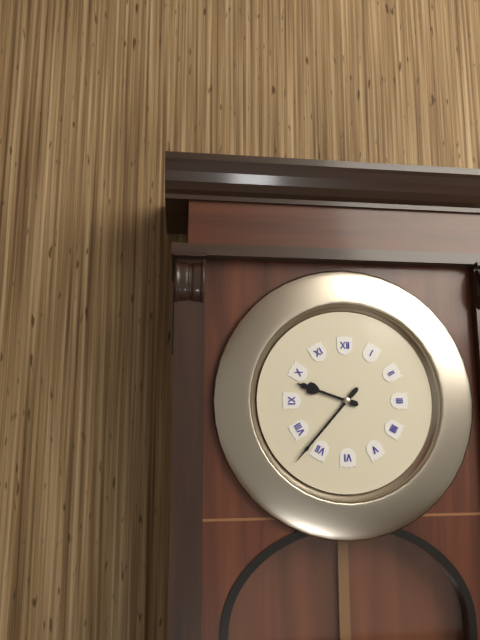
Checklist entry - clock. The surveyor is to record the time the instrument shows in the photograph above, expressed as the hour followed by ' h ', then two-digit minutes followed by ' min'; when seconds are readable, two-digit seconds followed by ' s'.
9 h 37 min
